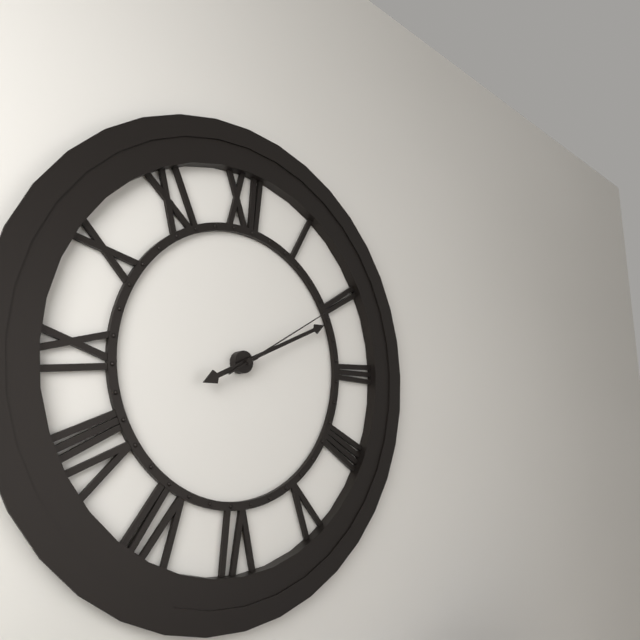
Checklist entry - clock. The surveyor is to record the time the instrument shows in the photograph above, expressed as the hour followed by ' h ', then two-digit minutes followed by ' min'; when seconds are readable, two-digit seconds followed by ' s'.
8 h 11 min 10 s
